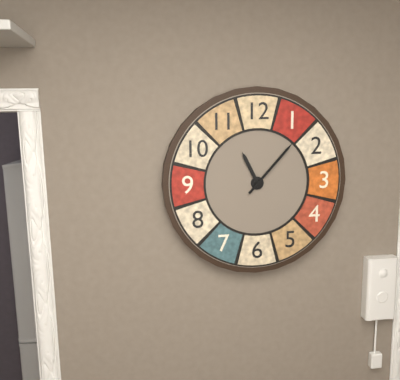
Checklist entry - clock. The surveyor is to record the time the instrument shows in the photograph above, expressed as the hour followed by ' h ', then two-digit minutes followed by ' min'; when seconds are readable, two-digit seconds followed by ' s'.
11 h 07 min
